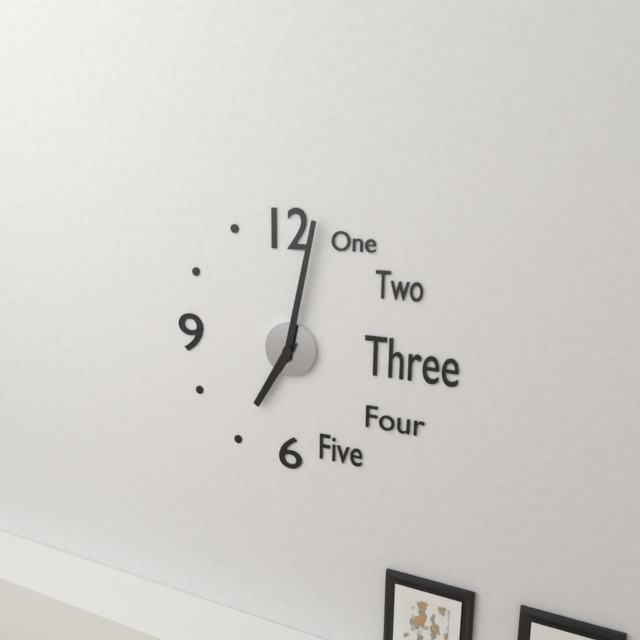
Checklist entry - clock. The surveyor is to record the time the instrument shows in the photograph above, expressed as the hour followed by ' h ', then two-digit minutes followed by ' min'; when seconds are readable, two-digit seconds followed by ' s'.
7 h 02 min
